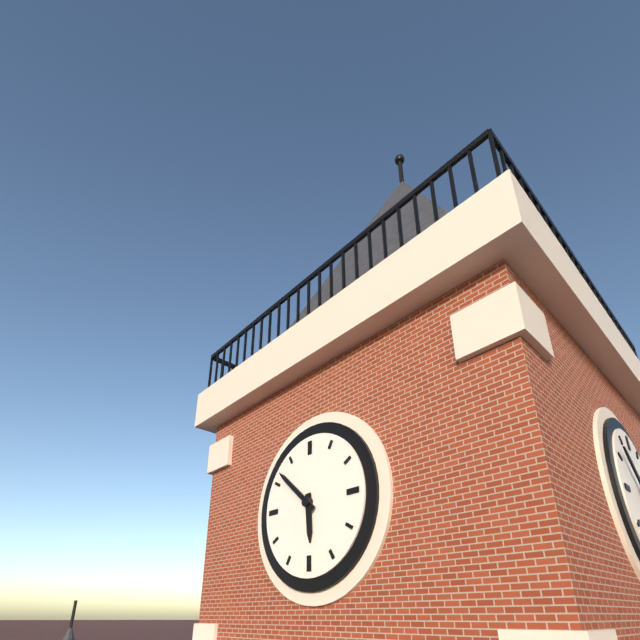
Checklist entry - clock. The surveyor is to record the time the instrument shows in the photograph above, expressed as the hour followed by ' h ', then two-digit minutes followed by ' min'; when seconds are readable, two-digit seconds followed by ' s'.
5 h 52 min
